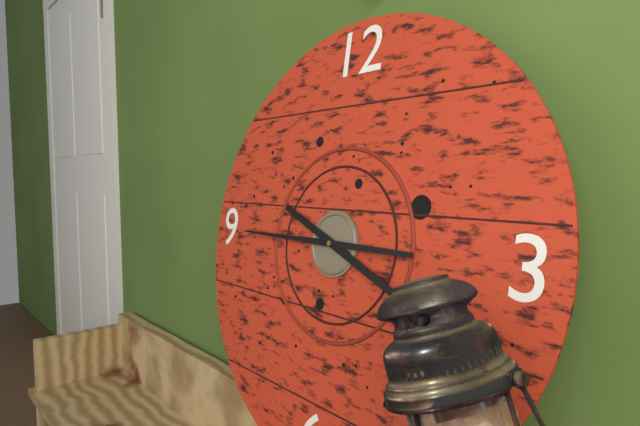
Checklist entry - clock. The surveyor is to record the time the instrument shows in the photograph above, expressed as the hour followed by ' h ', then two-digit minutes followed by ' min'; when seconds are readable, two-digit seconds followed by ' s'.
3 h 45 min
